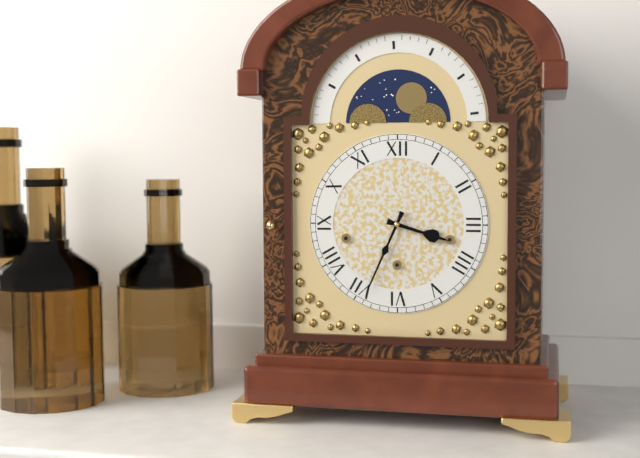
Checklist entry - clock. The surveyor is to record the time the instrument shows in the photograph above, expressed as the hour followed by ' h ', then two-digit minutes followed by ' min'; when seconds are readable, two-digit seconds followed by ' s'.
3 h 34 min
